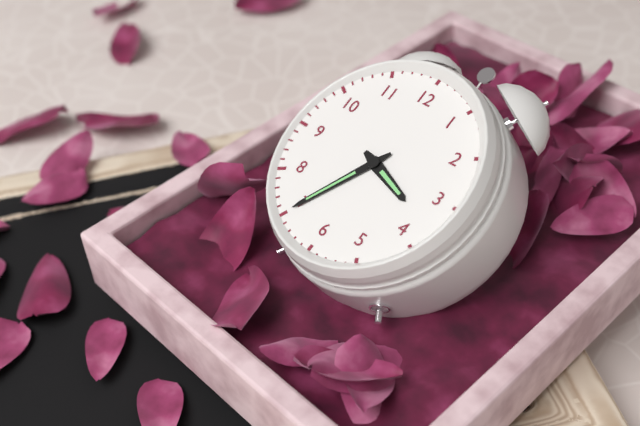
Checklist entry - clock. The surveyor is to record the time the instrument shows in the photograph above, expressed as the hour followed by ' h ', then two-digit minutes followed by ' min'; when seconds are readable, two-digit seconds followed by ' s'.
3 h 35 min
